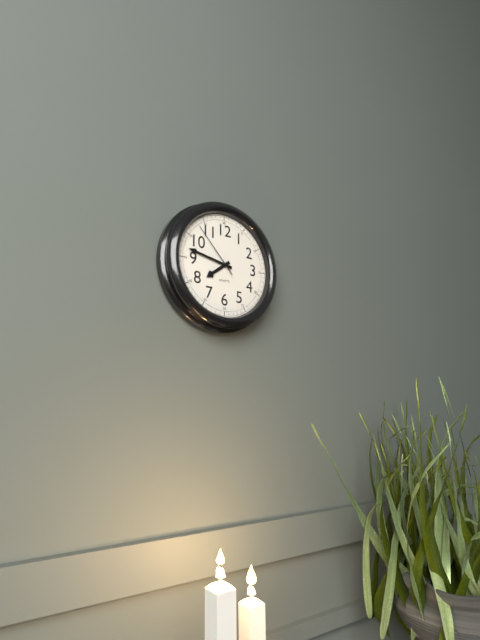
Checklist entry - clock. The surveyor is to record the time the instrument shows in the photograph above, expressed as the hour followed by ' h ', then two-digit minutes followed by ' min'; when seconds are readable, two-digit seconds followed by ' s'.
7 h 47 min 53 s
